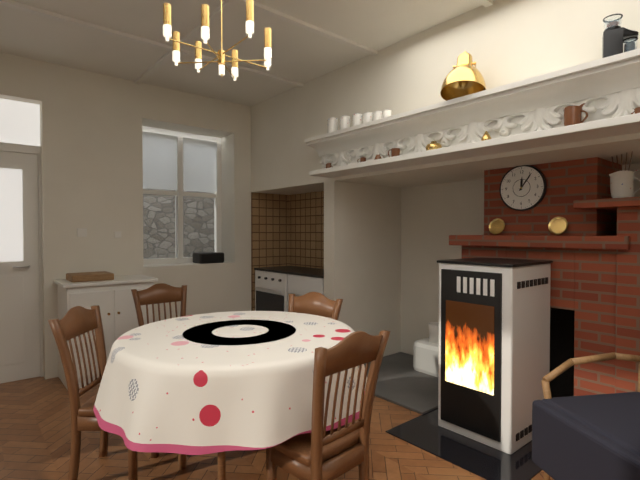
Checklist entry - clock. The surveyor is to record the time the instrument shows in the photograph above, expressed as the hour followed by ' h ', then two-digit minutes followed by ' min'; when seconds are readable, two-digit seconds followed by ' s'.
12 h 06 min
